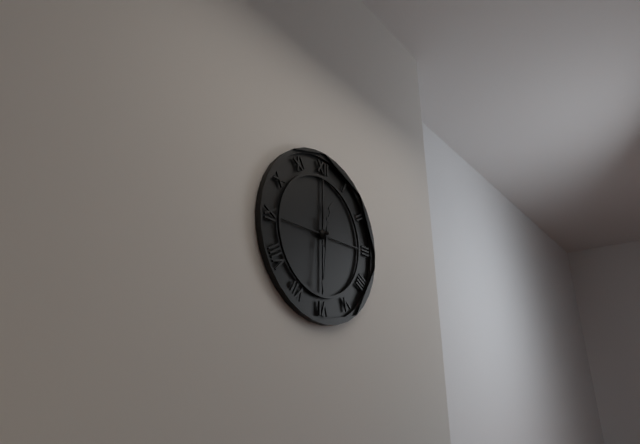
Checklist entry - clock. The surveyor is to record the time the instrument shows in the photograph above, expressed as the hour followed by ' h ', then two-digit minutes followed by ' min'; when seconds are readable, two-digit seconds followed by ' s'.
12 h 31 min
